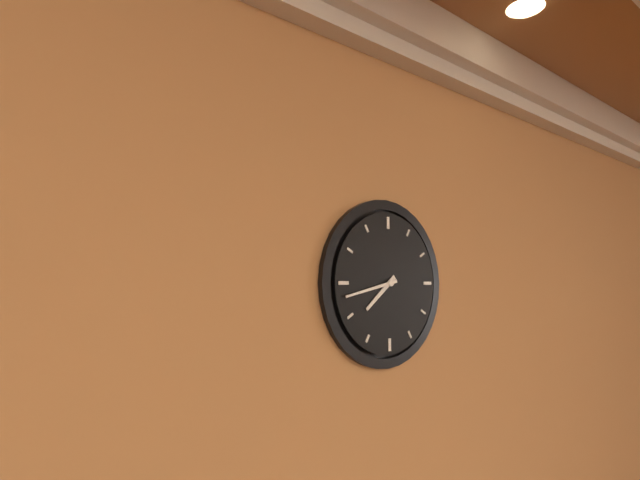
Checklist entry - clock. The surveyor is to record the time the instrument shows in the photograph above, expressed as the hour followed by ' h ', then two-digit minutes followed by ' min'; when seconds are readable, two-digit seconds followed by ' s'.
7 h 43 min
